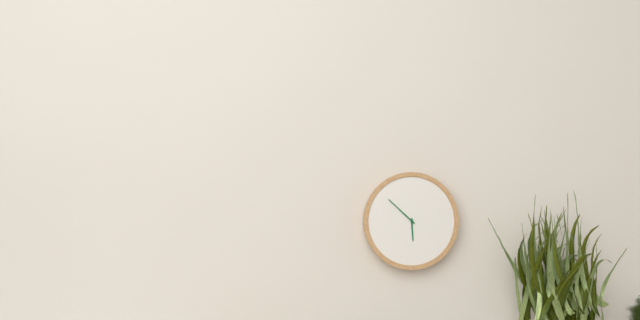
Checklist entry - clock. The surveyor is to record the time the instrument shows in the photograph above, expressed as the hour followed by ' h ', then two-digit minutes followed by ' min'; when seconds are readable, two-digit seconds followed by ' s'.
5 h 52 min
